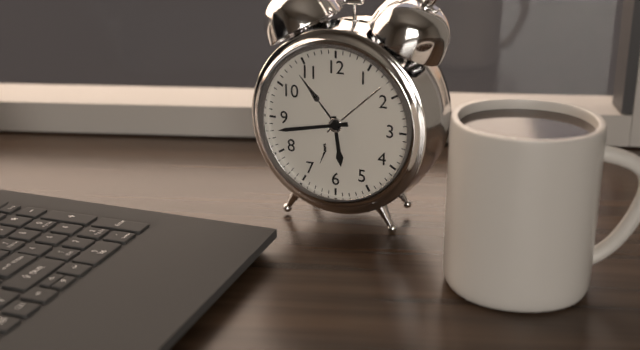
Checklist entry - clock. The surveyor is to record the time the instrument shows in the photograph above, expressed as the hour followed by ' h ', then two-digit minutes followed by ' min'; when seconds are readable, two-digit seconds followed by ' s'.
5 h 43 min
